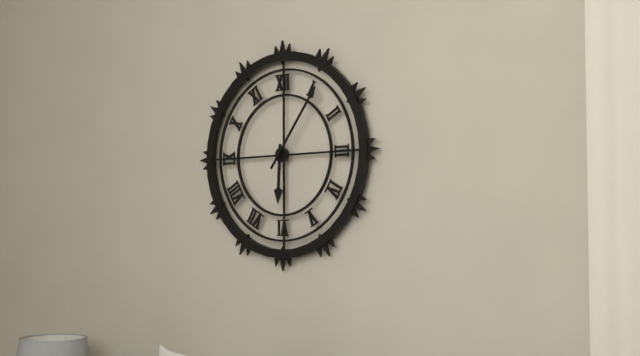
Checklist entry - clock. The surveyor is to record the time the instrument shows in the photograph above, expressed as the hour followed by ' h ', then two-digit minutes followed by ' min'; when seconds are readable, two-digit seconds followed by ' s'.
6 h 06 min
